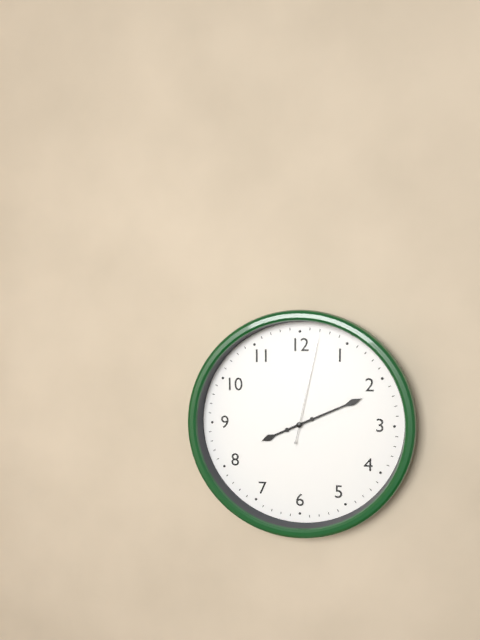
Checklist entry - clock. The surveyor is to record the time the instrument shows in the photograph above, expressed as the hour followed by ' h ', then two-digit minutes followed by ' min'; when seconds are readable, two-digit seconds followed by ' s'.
8 h 11 min 02 s
